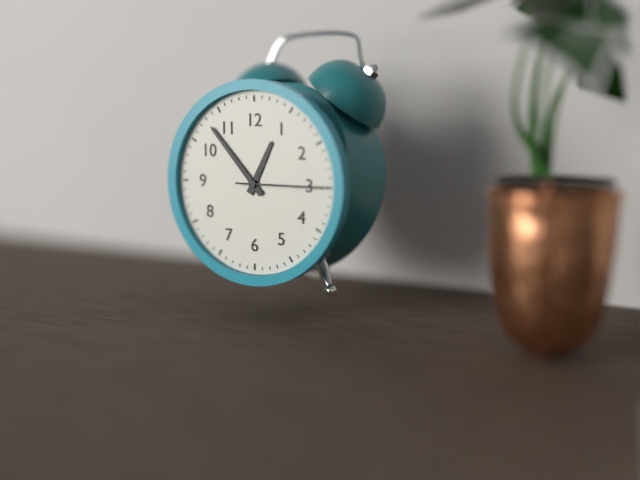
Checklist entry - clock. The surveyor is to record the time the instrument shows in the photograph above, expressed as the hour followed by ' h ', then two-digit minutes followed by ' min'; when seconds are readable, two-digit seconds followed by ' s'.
12 h 53 min 15 s
